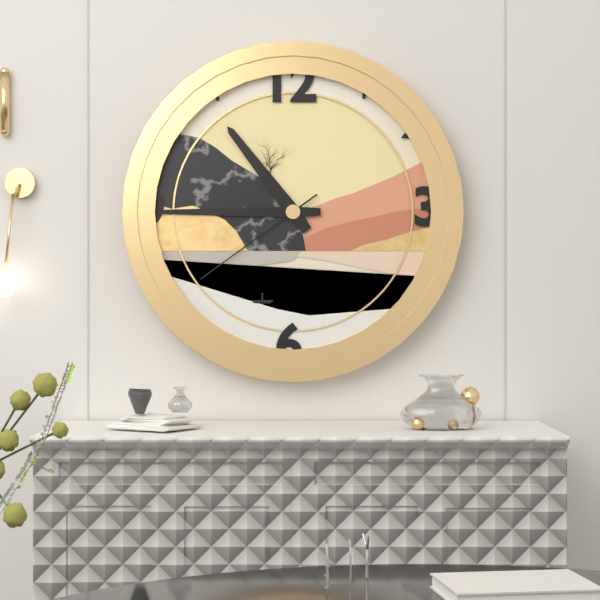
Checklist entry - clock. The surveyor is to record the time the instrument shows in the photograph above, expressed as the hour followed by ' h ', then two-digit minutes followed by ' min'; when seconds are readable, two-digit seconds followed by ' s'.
10 h 45 min 39 s
